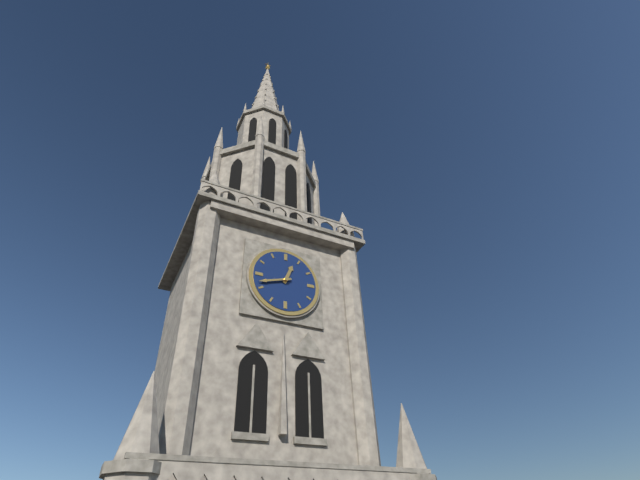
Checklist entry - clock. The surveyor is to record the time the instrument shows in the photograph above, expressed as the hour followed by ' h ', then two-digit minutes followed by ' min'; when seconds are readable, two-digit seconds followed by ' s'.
12 h 42 min
